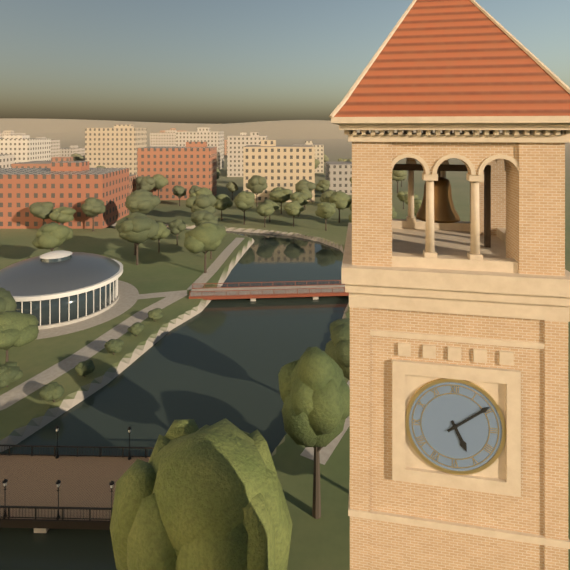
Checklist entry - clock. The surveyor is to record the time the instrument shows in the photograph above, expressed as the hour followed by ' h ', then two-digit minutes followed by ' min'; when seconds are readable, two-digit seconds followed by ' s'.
5 h 09 min
